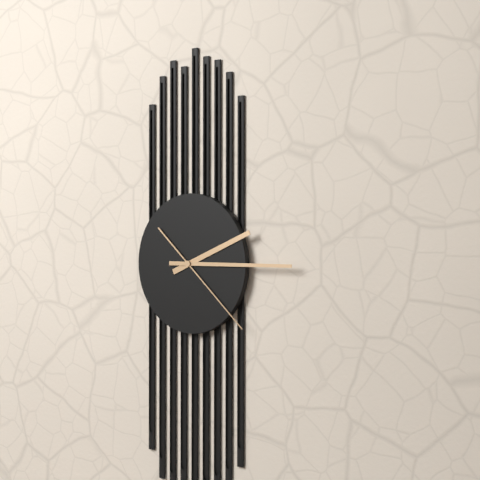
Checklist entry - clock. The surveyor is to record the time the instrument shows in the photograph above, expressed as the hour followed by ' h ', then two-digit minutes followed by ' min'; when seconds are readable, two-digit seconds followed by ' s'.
2 h 15 min 22 s
